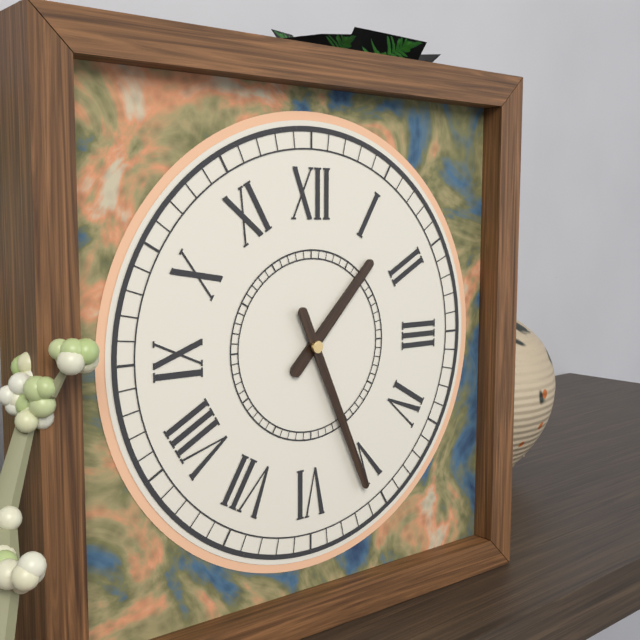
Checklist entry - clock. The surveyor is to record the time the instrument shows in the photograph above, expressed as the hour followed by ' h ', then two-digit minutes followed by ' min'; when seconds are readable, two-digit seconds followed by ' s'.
1 h 26 min
